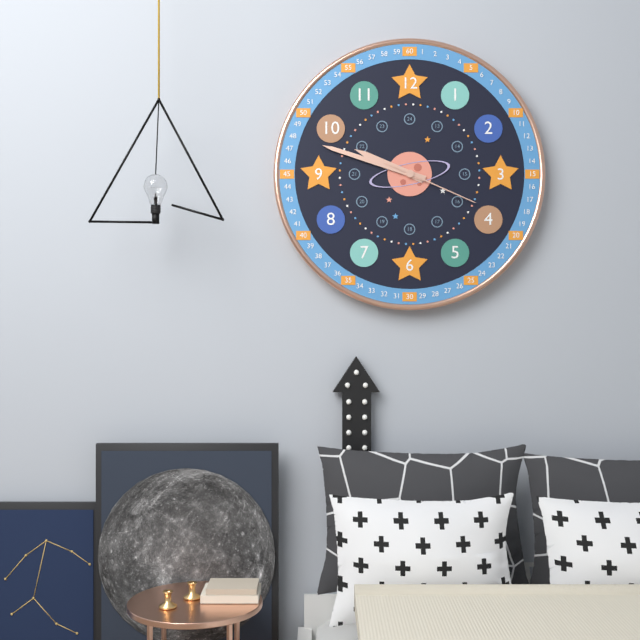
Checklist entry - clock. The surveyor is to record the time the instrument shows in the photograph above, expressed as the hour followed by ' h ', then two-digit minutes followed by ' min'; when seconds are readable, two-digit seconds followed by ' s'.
9 h 48 min 19 s
